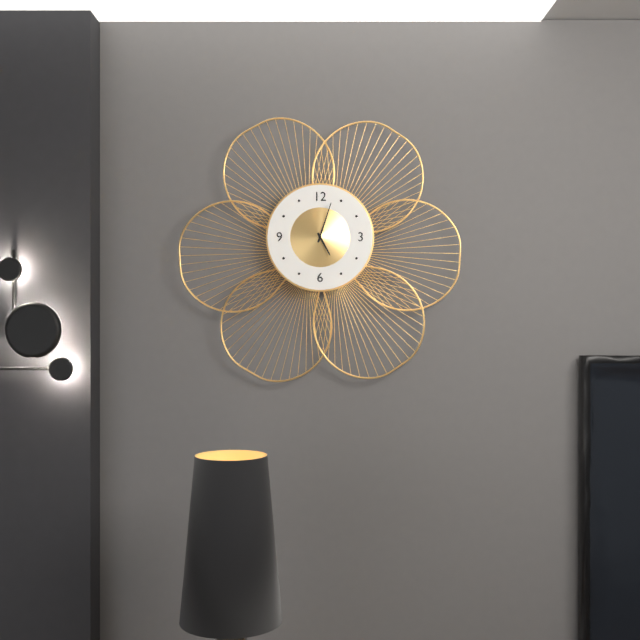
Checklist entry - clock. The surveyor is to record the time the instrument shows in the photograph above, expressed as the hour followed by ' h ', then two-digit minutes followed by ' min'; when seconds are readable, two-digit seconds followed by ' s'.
5 h 03 min
